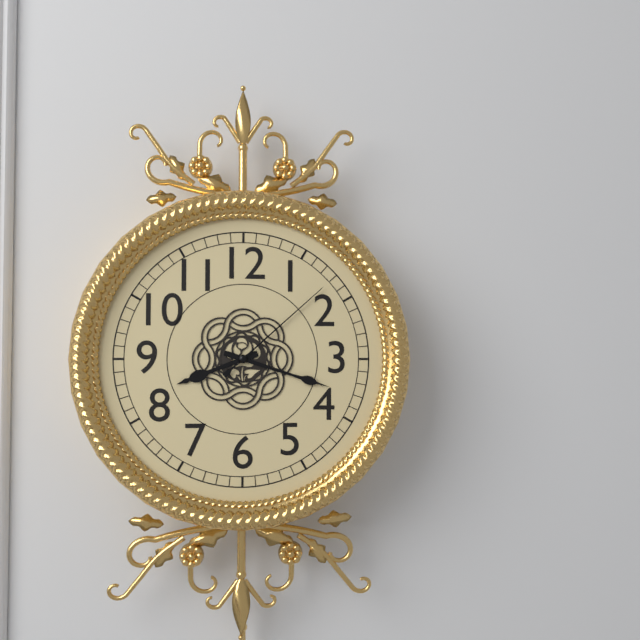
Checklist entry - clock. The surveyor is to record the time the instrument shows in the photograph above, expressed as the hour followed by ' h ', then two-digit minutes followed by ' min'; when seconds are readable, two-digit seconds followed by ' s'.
8 h 18 min 08 s
